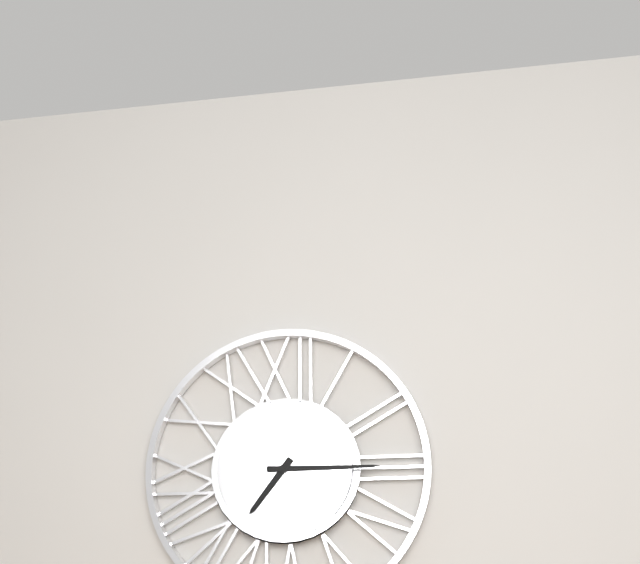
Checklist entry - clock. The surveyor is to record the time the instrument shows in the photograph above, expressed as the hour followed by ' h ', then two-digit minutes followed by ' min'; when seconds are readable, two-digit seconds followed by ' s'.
7 h 15 min
